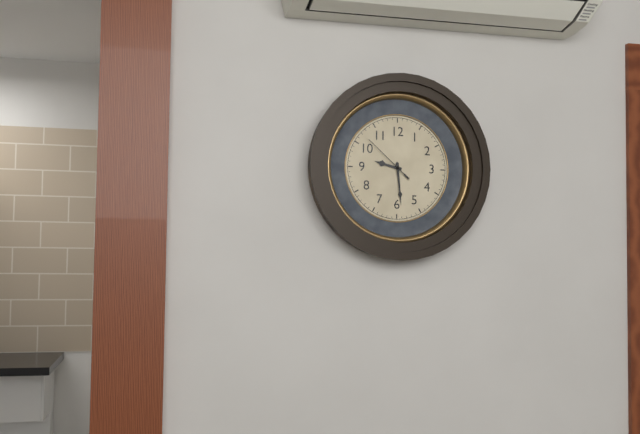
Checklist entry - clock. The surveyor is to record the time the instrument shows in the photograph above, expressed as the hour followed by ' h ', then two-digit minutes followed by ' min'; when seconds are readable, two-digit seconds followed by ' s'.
9 h 29 min 52 s
